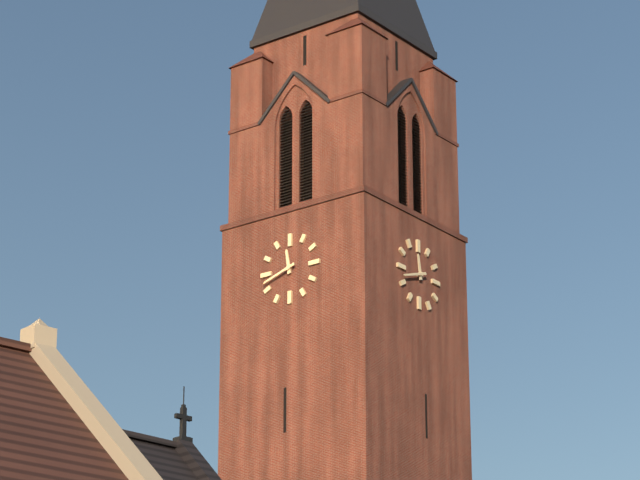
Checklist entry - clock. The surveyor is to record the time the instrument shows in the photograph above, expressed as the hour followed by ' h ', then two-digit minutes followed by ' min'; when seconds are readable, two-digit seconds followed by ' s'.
11 h 42 min
